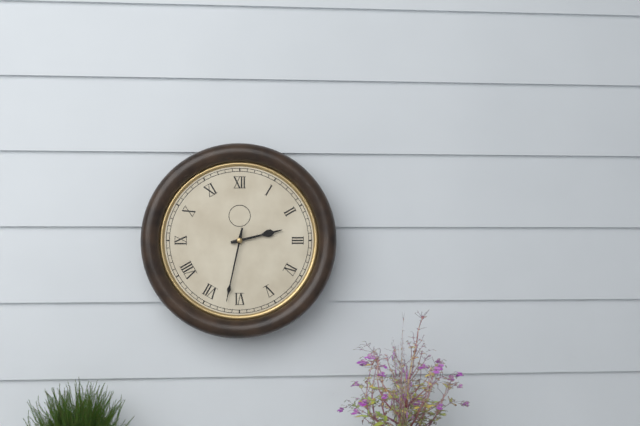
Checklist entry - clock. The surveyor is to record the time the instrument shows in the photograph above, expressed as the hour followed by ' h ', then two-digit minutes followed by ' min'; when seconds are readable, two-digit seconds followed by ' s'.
2 h 32 min
